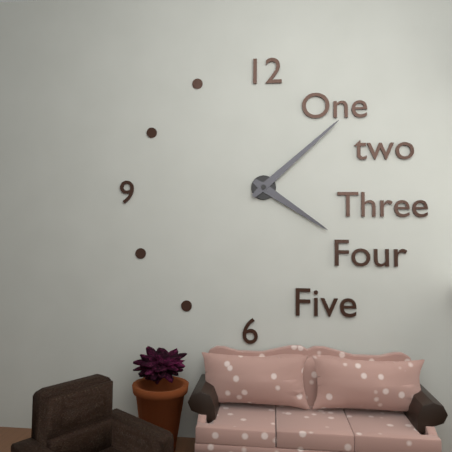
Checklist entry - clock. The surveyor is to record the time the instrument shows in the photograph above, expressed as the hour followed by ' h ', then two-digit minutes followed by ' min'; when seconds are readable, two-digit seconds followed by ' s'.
4 h 08 min
